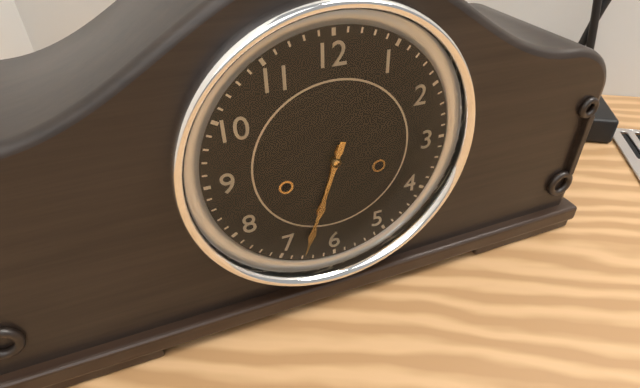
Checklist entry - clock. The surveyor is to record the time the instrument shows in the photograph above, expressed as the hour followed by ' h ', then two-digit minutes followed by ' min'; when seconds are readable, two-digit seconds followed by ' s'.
6 h 33 min
